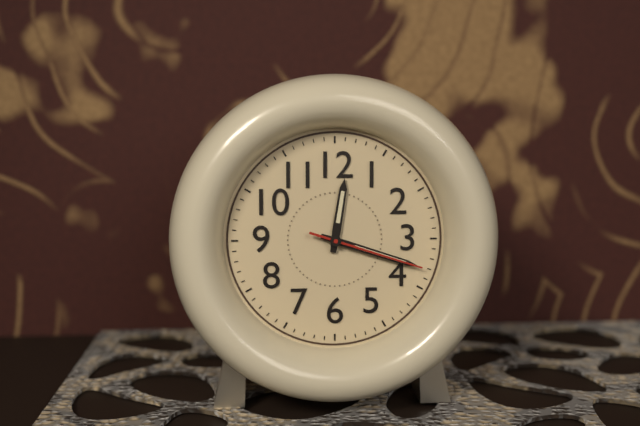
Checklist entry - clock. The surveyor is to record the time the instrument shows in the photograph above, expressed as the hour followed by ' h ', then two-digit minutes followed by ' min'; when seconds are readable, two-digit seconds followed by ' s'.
12 h 18 min 18 s
